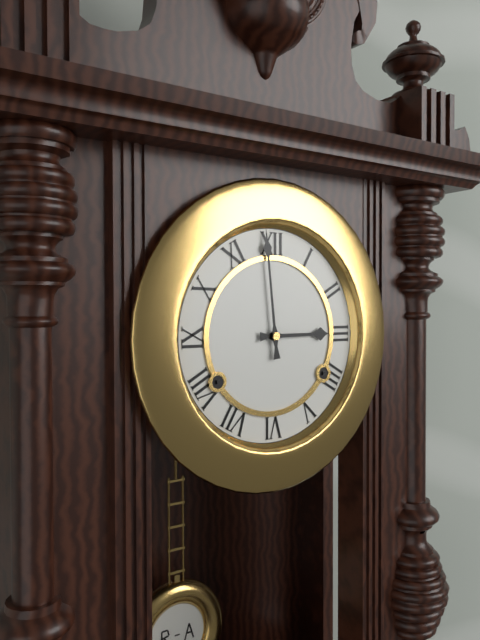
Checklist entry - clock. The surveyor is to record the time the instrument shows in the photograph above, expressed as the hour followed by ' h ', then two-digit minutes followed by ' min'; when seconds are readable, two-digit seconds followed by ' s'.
2 h 59 min
